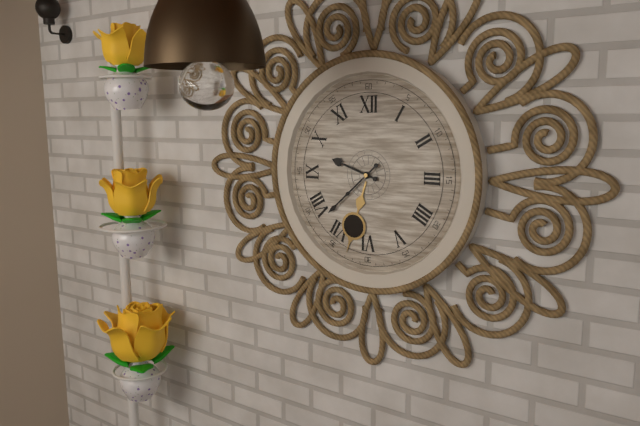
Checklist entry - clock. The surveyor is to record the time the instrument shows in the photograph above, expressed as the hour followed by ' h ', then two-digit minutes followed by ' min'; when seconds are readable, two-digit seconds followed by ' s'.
9 h 38 min
